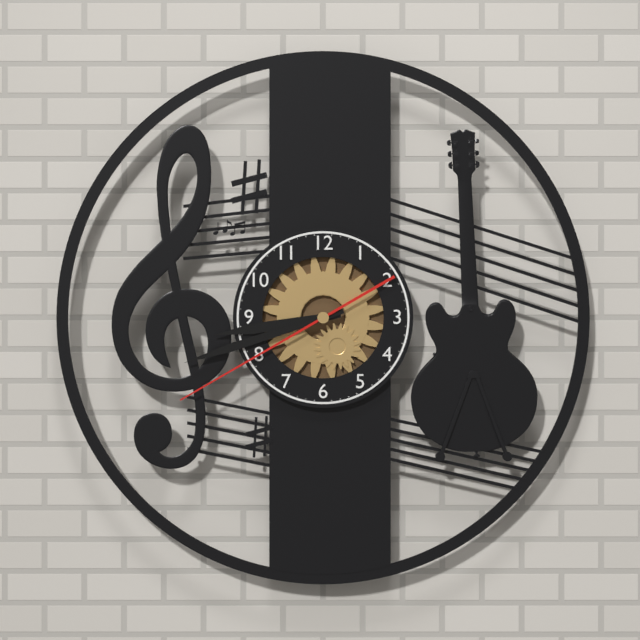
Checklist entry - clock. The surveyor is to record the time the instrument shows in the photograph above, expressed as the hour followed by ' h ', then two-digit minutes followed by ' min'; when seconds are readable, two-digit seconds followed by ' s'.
8 h 42 min 40 s
